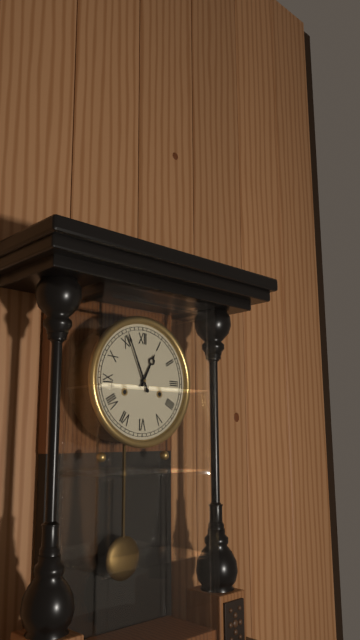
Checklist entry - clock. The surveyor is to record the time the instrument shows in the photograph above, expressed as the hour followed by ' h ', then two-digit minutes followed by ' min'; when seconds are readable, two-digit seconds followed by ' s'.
12 h 56 min
